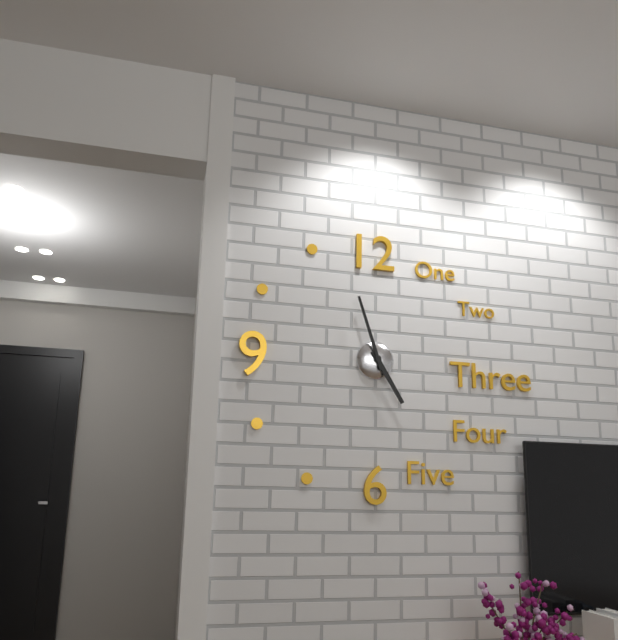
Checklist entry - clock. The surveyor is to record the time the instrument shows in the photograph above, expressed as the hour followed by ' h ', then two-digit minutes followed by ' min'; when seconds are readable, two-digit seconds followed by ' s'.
4 h 57 min
